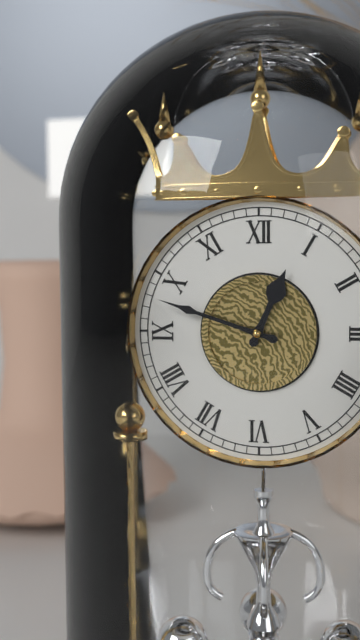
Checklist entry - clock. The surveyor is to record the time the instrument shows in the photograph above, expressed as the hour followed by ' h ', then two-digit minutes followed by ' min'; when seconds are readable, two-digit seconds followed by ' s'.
12 h 48 min
